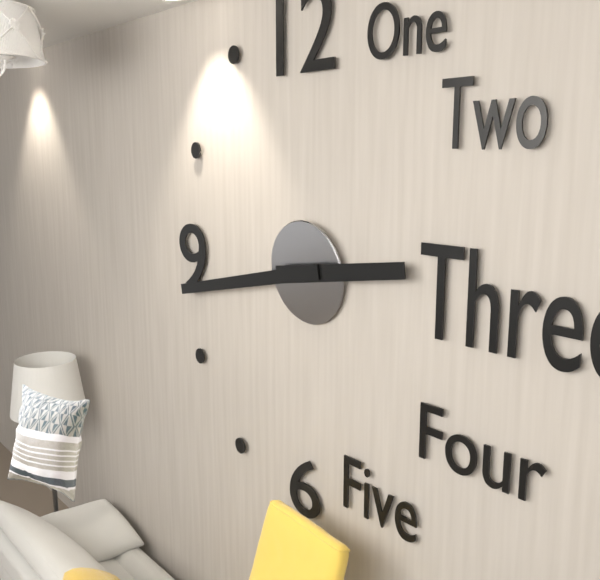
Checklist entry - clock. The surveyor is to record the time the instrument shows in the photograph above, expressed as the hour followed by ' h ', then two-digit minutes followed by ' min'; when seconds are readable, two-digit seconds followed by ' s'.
2 h 43 min
